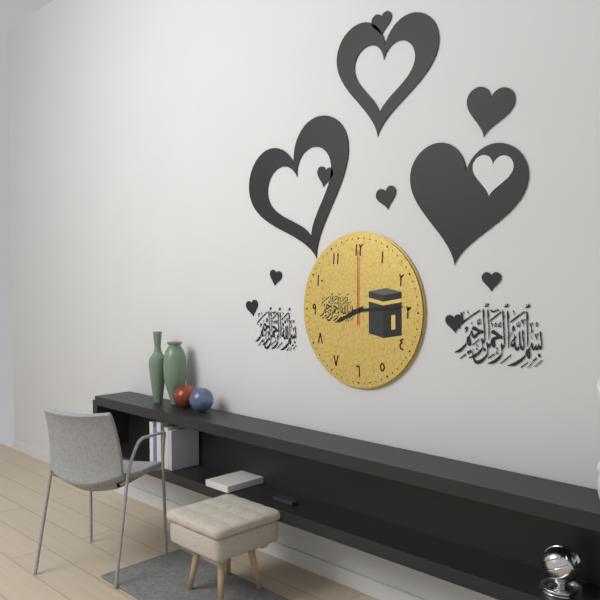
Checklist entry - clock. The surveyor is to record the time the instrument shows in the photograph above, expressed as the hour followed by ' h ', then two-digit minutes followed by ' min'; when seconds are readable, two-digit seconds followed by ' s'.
8 h 14 min 00 s
